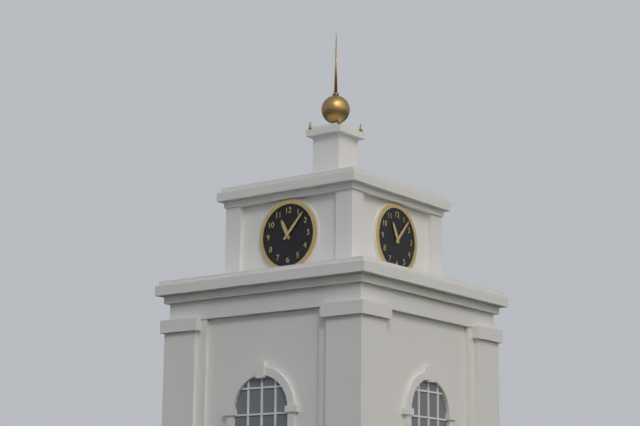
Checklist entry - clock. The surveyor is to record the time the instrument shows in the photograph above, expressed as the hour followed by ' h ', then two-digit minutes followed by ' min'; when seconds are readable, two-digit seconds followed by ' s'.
11 h 07 min
